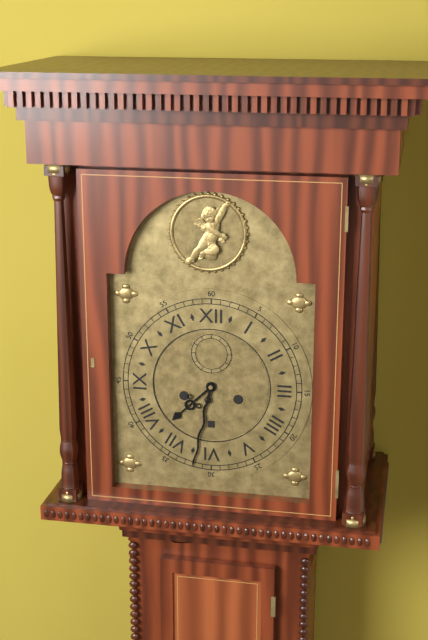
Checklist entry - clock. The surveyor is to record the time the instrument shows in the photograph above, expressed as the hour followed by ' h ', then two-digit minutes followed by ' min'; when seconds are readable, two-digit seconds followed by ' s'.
7 h 32 min
